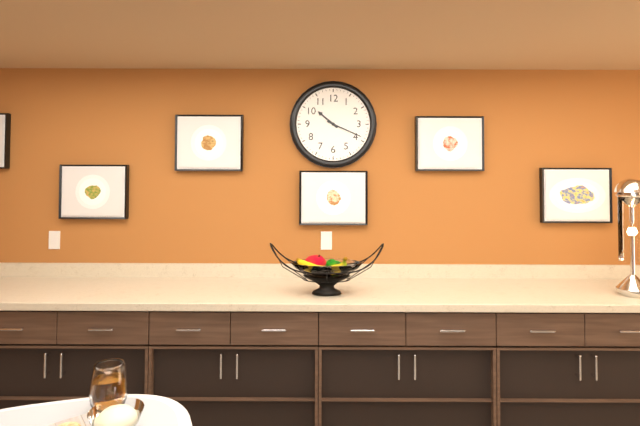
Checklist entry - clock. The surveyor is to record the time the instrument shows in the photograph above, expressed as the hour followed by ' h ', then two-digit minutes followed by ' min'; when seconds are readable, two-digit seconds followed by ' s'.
10 h 19 min
